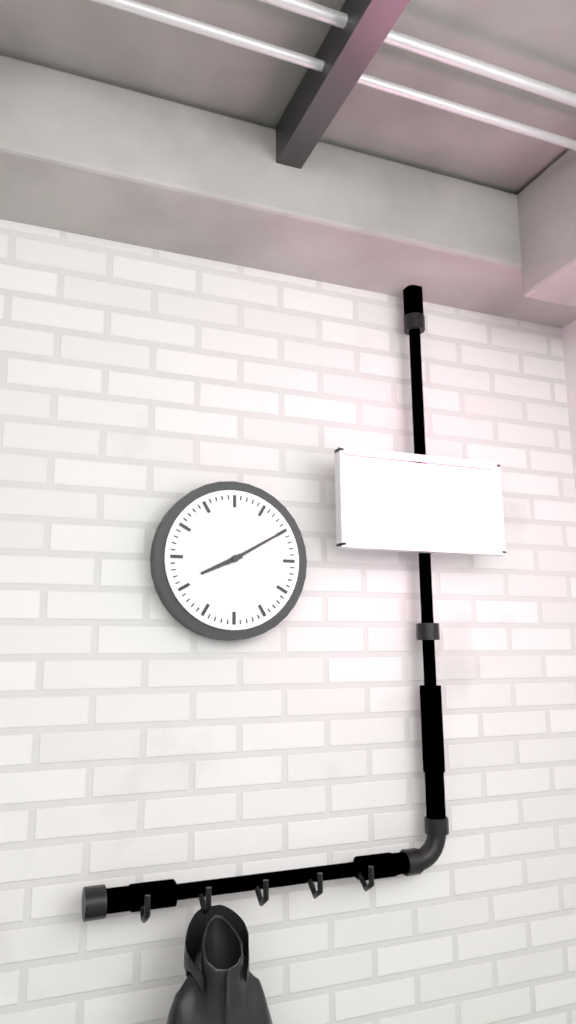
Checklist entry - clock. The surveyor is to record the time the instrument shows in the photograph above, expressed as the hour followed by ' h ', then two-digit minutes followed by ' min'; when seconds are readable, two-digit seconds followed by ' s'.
8 h 10 min
